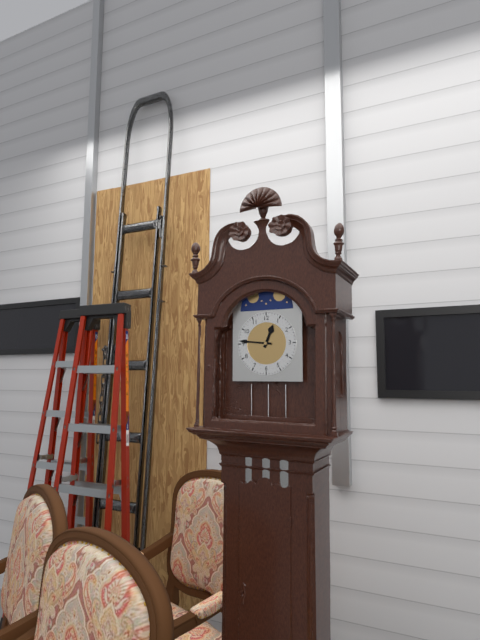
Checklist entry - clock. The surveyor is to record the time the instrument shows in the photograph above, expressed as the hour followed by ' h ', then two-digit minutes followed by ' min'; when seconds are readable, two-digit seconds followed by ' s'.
12 h 46 min
